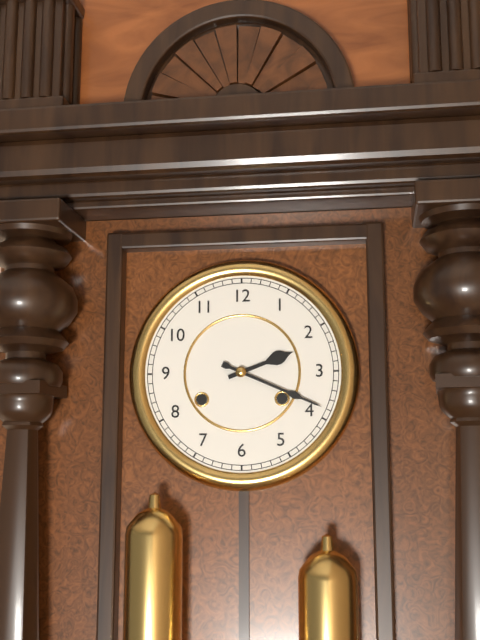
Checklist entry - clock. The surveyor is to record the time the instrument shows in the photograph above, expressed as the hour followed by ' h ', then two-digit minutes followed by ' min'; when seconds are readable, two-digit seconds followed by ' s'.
2 h 19 min
